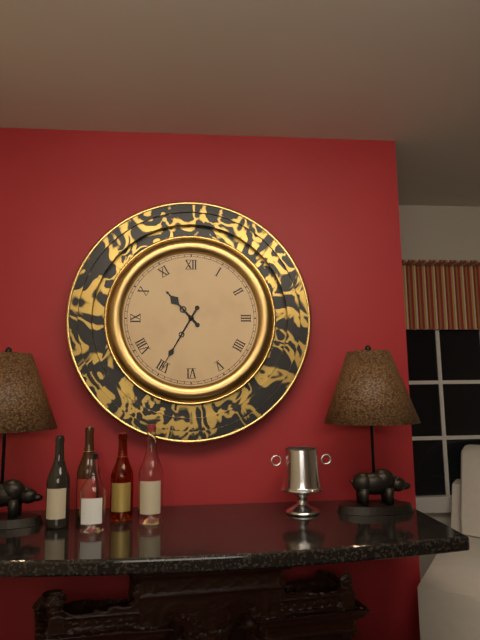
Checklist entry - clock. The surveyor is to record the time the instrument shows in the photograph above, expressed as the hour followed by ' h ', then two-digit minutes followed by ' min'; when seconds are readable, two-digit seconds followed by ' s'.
10 h 35 min
